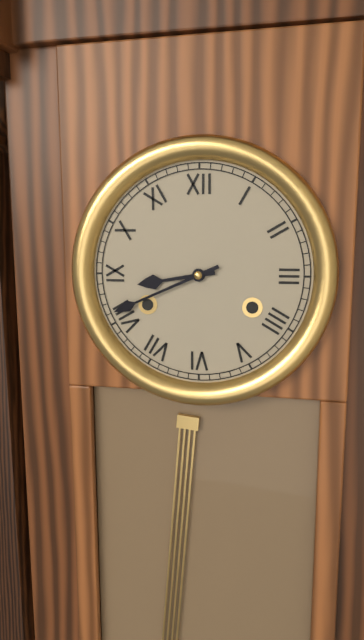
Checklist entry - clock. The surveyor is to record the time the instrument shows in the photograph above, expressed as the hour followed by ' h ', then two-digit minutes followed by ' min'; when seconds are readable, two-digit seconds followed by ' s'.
8 h 41 min
